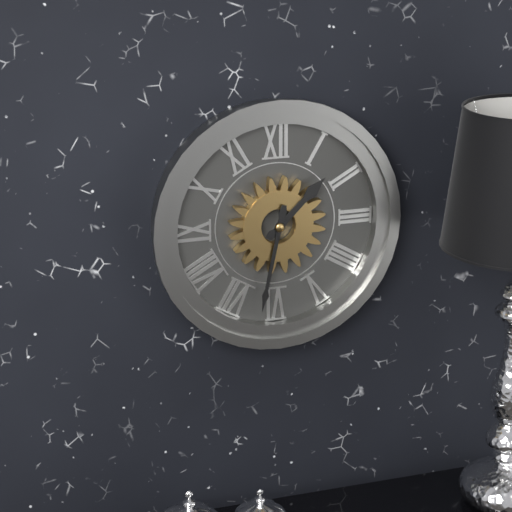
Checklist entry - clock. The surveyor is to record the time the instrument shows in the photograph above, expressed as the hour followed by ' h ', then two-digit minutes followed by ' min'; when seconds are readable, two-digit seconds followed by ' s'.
1 h 32 min
